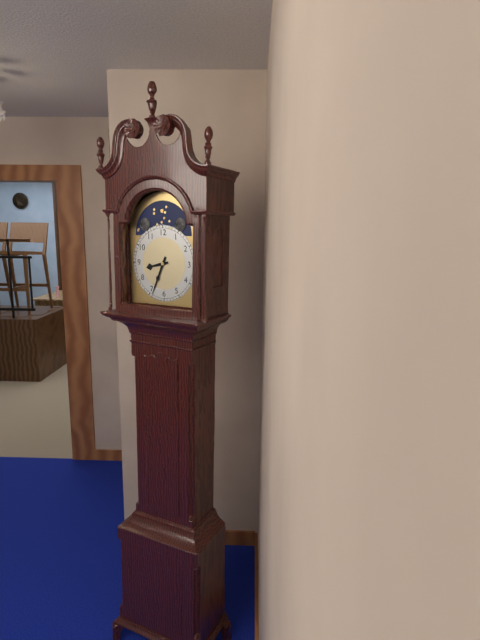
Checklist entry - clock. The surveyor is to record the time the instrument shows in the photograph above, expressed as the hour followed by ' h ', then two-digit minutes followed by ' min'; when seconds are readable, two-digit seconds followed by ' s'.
8 h 34 min
